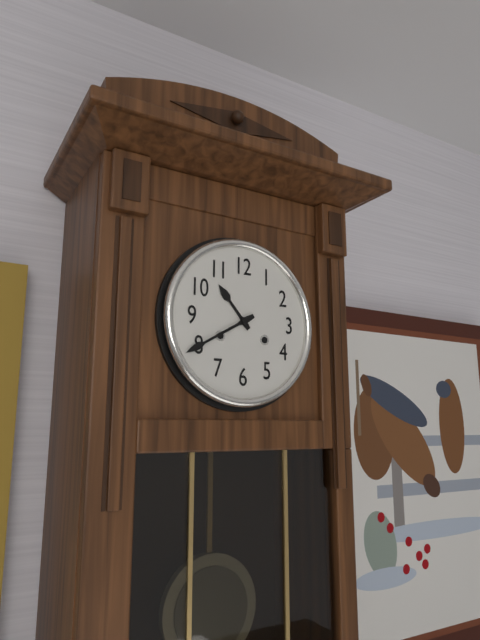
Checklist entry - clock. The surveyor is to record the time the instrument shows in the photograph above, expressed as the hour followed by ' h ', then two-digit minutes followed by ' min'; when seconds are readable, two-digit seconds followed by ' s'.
10 h 40 min
